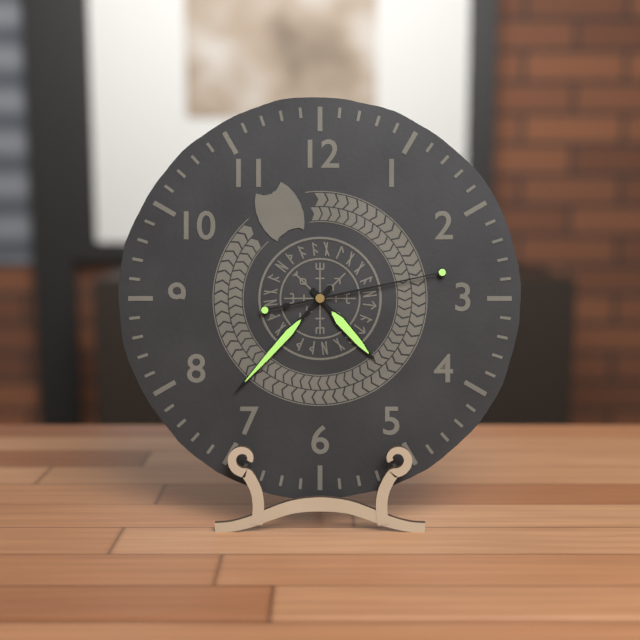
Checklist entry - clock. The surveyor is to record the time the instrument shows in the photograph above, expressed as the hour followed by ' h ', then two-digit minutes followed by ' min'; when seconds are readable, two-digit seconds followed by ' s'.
4 h 37 min 13 s
